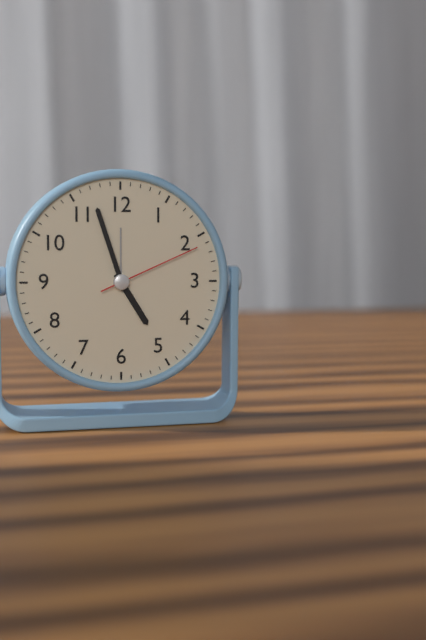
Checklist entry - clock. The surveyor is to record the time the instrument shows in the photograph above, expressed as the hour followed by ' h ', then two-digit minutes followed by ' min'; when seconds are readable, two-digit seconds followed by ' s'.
4 h 57 min 11 s
